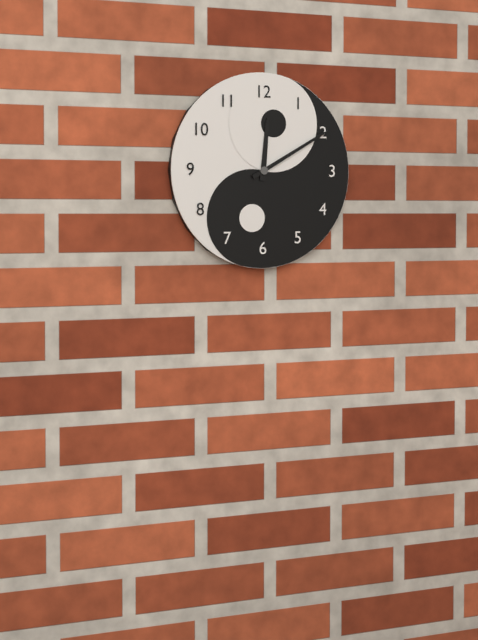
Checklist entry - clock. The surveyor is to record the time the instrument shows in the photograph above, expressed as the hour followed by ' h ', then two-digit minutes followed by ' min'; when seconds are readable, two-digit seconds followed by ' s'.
12 h 10 min
